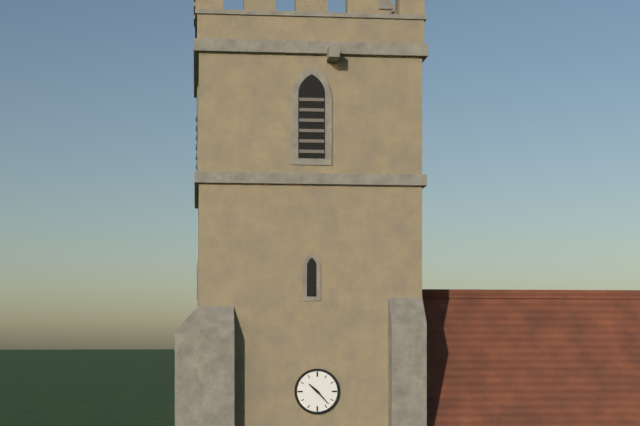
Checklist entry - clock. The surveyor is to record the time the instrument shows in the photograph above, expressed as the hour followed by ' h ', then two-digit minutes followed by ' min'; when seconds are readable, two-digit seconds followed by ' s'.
10 h 23 min
